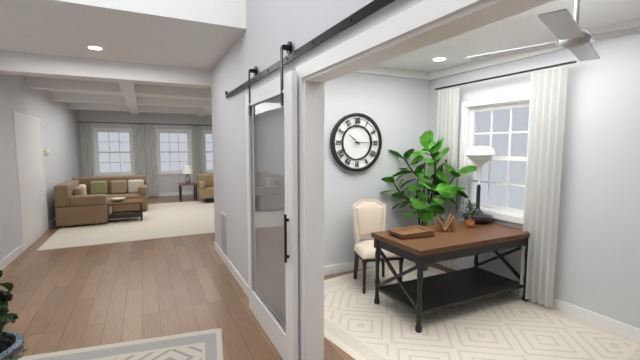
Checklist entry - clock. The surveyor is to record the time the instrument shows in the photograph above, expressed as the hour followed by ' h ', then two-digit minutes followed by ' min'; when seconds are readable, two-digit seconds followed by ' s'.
10 h 15 min
